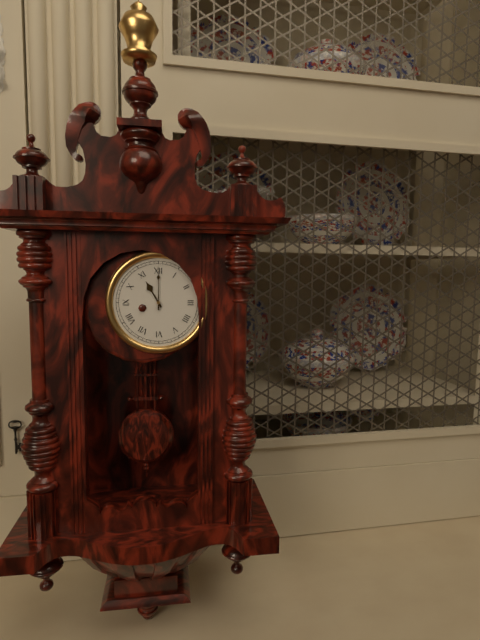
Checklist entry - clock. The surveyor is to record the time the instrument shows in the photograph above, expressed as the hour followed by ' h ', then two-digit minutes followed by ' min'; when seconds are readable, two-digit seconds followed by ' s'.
11 h 00 min
